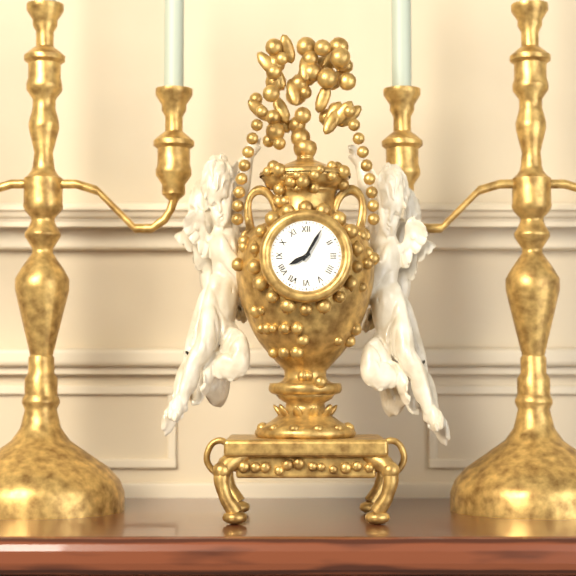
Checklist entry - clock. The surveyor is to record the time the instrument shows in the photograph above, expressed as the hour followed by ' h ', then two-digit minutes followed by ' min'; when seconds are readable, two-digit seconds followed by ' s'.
8 h 05 min
